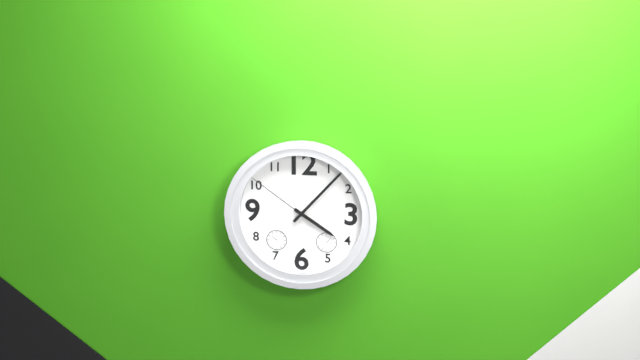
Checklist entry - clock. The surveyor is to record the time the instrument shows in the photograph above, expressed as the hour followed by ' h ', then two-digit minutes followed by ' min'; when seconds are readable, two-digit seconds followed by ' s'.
4 h 07 min 51 s
